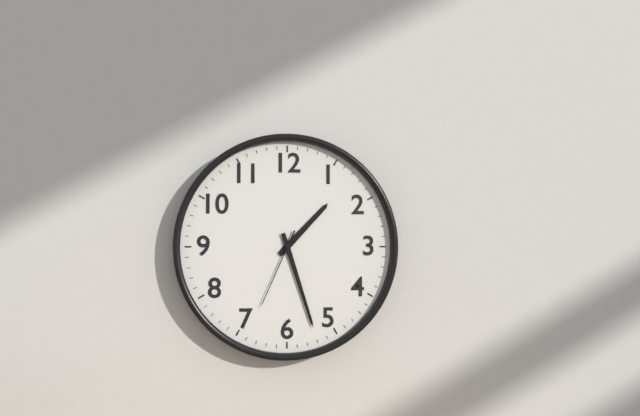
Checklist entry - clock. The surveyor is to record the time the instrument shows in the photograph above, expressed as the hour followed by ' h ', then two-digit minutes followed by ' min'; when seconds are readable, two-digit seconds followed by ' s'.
1 h 27 min 34 s
